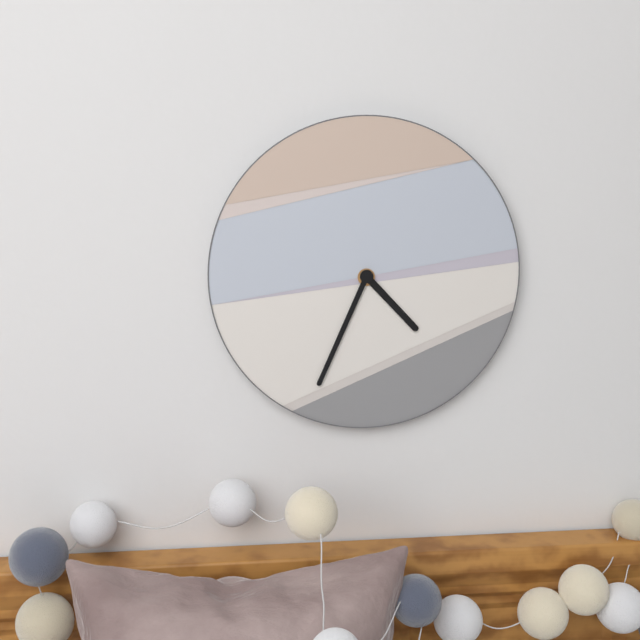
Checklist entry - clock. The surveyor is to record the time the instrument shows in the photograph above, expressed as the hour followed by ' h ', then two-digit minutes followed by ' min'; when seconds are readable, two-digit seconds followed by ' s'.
4 h 34 min
